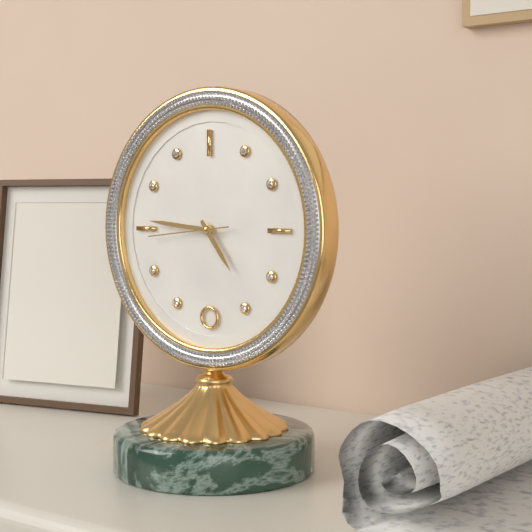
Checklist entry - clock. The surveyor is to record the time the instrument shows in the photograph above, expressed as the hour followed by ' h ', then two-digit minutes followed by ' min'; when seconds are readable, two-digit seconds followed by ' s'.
4 h 46 min 44 s
